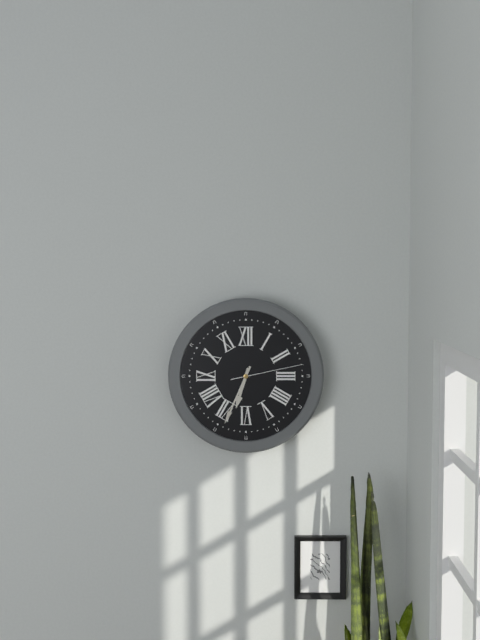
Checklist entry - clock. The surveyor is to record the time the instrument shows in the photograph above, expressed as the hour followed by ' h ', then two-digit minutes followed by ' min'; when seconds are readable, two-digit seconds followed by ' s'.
6 h 34 min 13 s
